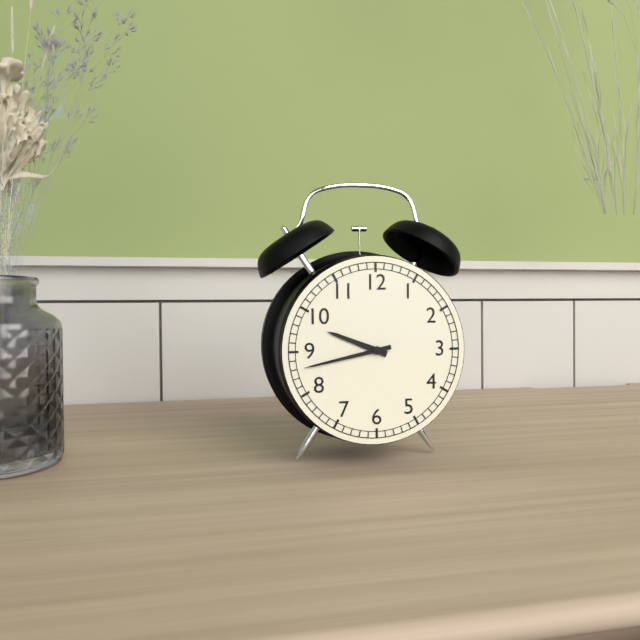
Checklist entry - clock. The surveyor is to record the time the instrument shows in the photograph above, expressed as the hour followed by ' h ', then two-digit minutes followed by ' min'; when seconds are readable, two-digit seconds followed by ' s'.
9 h 43 min
